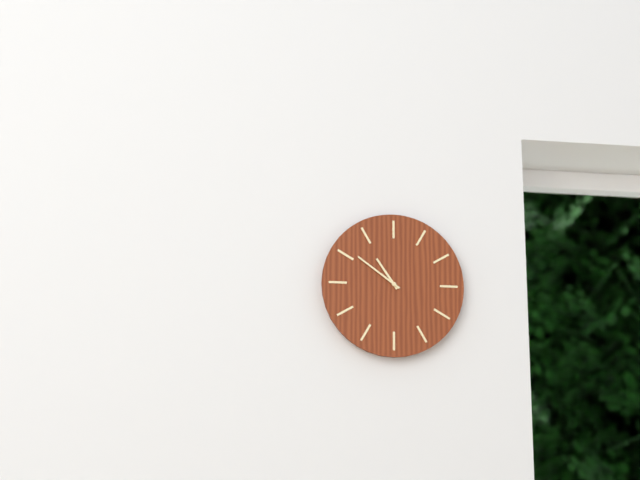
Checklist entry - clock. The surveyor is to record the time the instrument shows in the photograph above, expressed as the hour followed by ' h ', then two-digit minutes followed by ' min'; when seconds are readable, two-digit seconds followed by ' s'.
10 h 51 min
